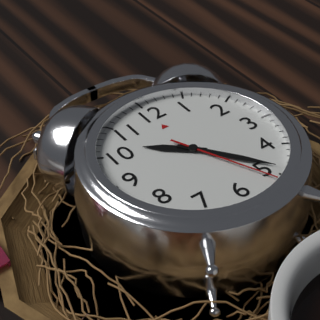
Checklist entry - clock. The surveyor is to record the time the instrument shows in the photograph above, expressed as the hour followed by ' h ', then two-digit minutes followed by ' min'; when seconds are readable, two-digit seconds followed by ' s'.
10 h 24 min 26 s
